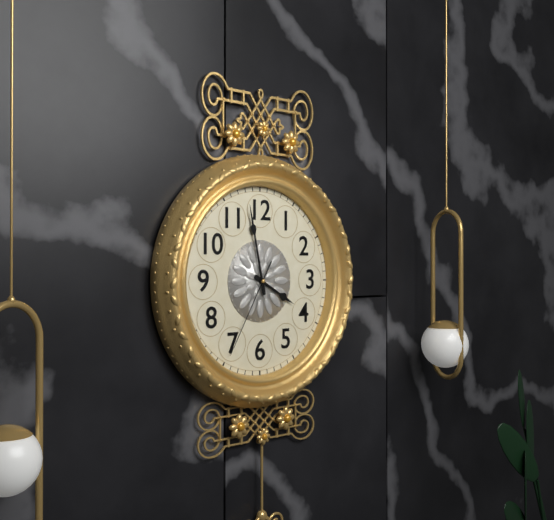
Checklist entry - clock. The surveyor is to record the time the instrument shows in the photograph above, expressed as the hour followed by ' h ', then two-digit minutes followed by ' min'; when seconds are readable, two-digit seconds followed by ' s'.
3 h 58 min 35 s
